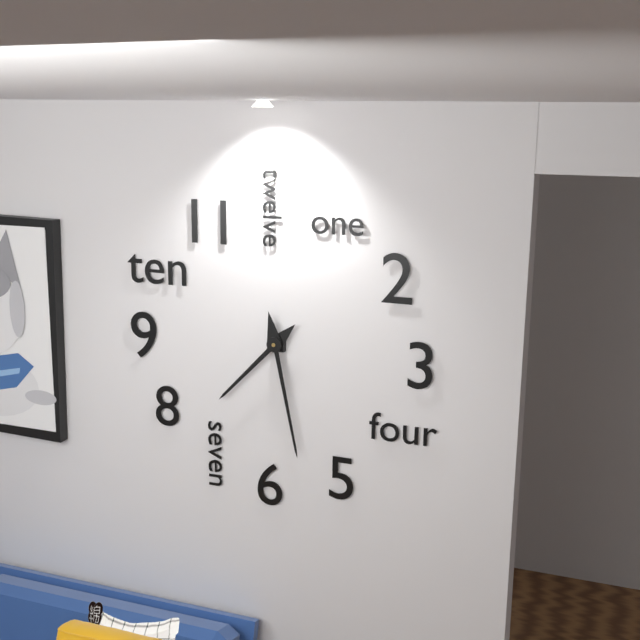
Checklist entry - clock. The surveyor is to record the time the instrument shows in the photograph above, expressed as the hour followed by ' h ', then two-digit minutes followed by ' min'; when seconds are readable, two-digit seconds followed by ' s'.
7 h 28 min
